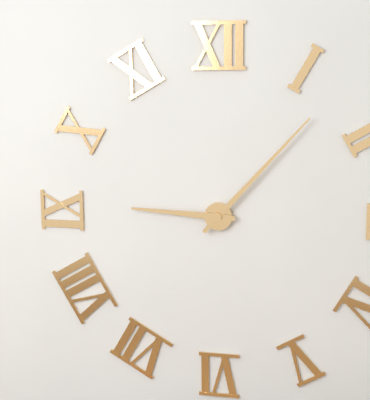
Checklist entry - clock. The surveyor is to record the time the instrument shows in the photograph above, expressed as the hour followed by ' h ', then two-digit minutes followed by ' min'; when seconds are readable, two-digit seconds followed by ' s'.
9 h 07 min
